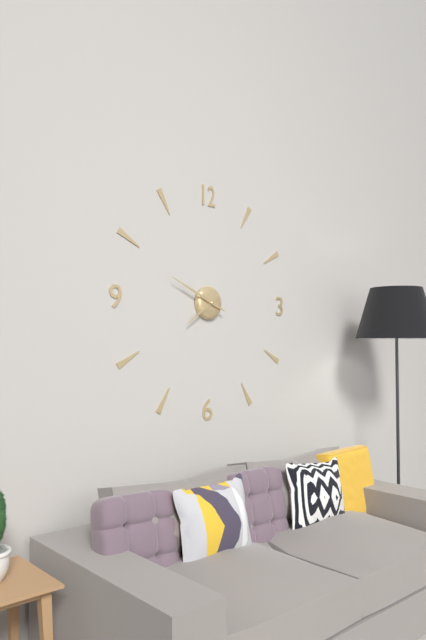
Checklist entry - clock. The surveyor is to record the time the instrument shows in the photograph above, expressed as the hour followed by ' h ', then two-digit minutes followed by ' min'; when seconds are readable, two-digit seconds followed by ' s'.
7 h 49 min
